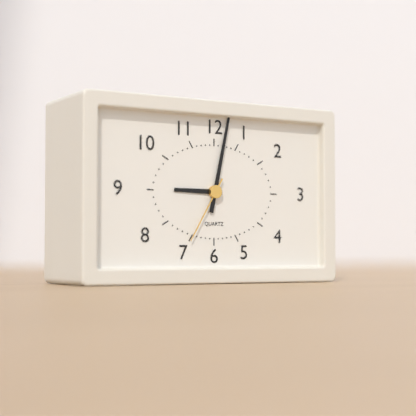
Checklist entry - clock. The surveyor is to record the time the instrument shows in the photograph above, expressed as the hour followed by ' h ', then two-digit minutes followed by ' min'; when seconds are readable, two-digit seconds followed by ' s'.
9 h 02 min 35 s
